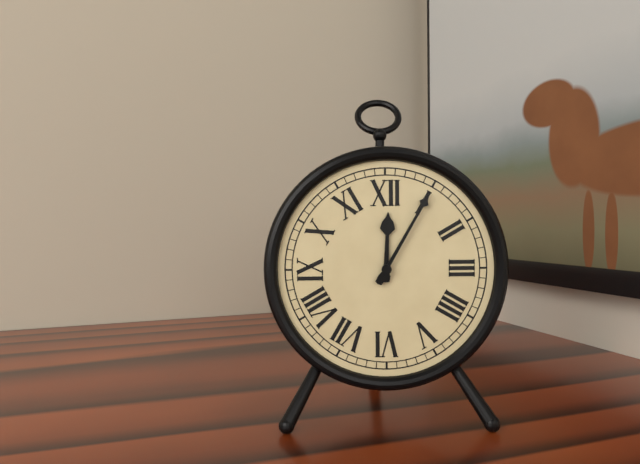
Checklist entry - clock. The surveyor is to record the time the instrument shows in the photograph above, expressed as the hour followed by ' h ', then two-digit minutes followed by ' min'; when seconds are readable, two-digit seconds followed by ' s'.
12 h 05 min
